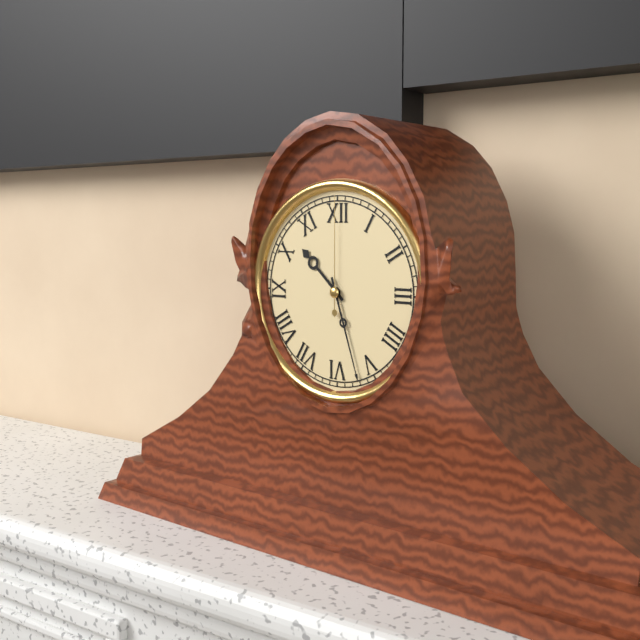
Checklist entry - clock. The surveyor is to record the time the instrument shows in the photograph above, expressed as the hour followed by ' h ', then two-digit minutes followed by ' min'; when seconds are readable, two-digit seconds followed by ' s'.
10 h 27 min 00 s
